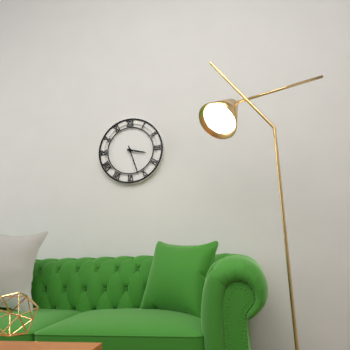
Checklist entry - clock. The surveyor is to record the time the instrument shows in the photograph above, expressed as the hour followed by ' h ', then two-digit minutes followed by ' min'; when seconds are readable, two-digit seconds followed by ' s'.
3 h 27 min
